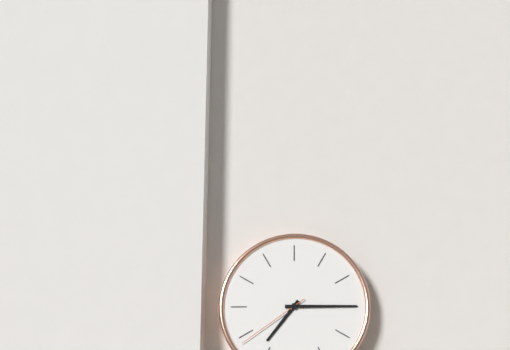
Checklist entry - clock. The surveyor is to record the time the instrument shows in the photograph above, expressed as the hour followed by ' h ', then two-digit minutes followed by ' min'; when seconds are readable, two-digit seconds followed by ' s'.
7 h 15 min 39 s
